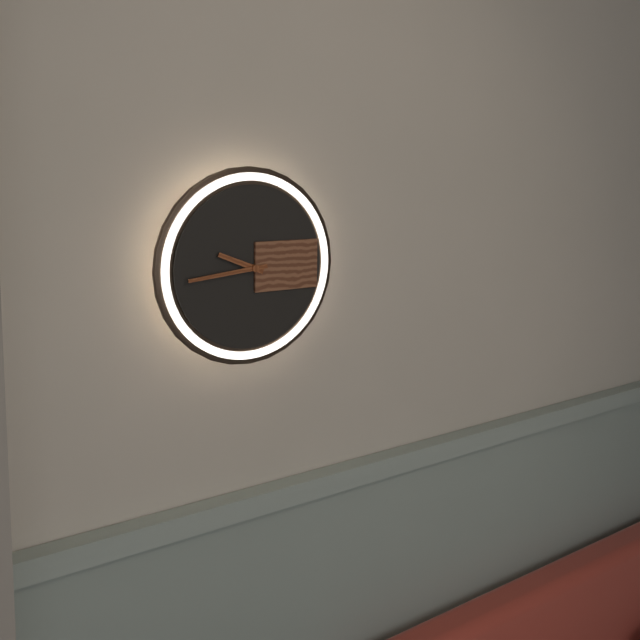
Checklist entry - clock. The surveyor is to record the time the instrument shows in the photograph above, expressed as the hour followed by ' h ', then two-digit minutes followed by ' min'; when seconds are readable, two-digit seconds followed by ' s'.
9 h 44 min
